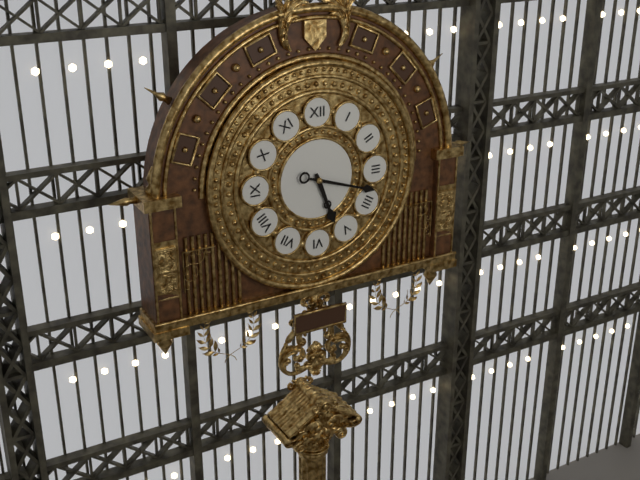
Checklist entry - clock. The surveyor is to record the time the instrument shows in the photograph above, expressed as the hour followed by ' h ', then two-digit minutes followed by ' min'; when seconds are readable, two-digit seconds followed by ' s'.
5 h 18 min
